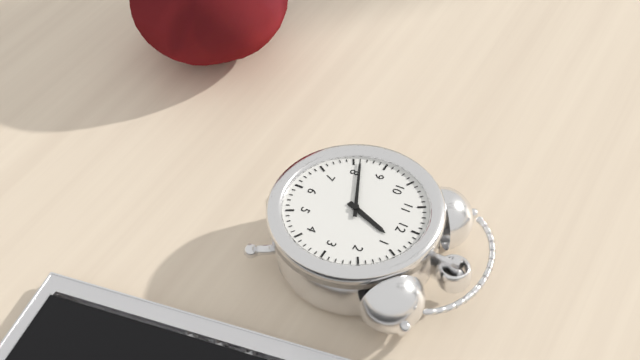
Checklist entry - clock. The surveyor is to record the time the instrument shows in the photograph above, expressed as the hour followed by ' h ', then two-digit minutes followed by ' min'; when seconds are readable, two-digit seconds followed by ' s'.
12 h 41 min
